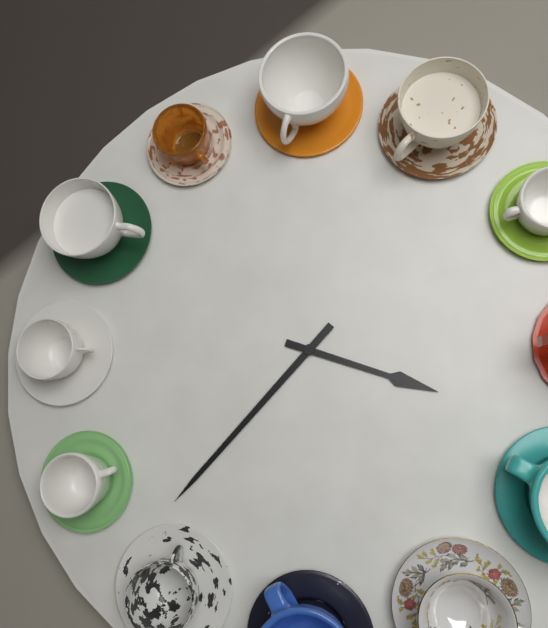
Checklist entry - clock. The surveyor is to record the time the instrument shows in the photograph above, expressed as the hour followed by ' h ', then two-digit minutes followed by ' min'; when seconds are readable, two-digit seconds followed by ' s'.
3 h 37 min
